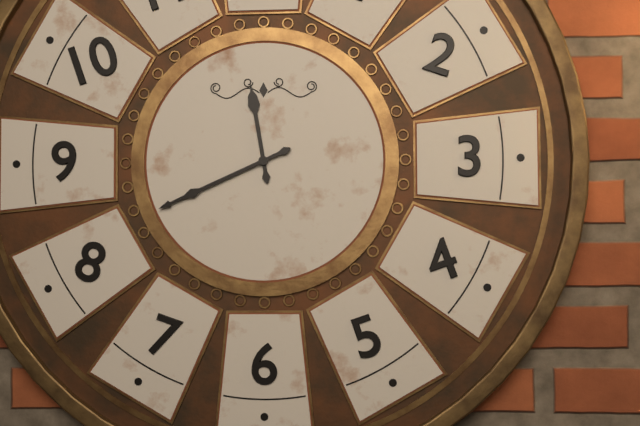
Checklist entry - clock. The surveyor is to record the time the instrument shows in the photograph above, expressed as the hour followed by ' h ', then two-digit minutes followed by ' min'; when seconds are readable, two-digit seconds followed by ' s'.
11 h 41 min
